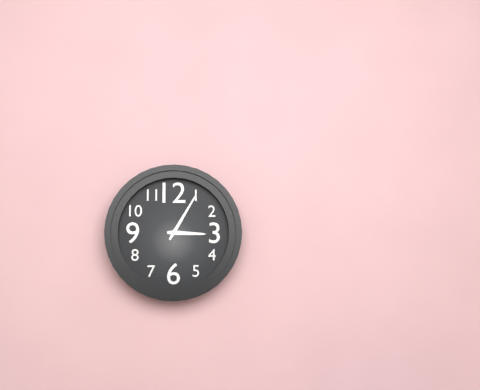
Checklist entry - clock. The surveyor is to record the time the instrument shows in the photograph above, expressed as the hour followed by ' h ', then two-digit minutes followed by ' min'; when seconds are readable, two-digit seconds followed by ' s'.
3 h 05 min
